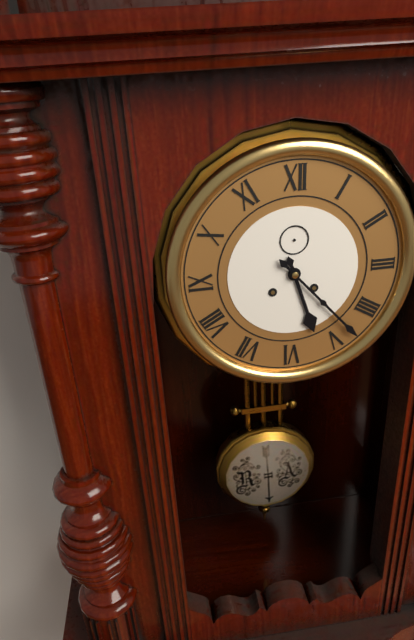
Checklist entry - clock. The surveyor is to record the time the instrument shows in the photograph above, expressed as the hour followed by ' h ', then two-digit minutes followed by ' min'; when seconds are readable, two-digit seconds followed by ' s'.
5 h 23 min
